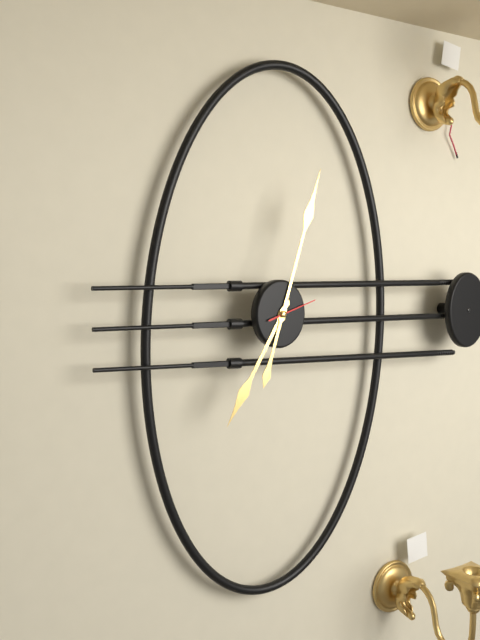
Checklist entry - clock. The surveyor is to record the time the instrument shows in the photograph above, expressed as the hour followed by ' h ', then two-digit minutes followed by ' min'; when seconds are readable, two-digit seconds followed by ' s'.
7 h 03 min
